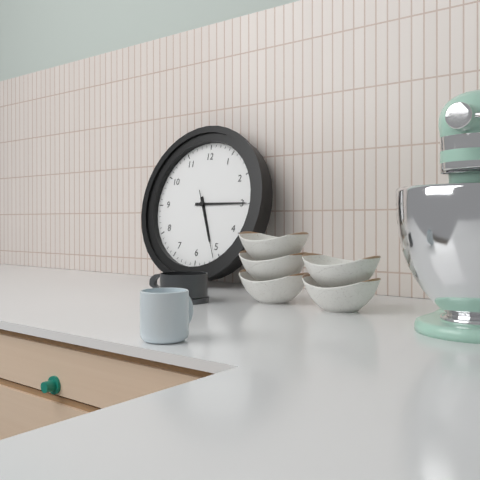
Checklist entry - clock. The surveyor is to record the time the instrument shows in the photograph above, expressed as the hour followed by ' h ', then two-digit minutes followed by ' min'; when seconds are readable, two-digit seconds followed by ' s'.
5 h 15 min 26 s
